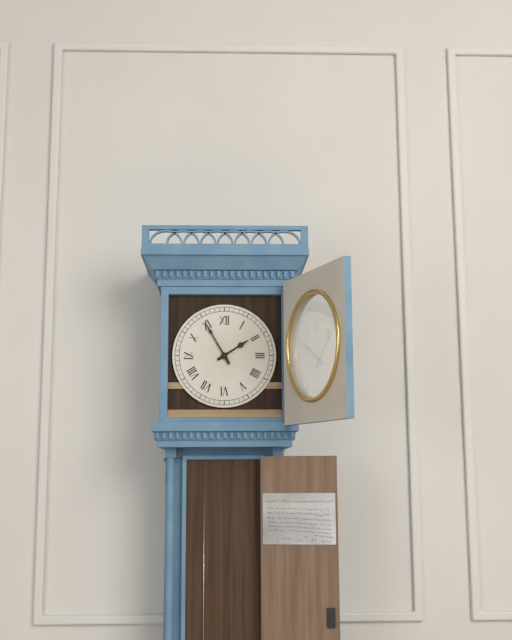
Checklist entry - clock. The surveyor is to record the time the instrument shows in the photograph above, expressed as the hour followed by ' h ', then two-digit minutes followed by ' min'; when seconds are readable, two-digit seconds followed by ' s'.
1 h 55 min
